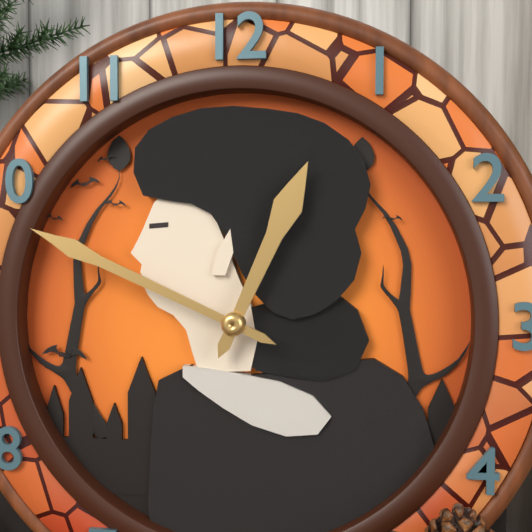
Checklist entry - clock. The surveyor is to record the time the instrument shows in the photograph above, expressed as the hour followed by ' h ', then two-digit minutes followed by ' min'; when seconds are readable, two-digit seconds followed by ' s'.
12 h 49 min
